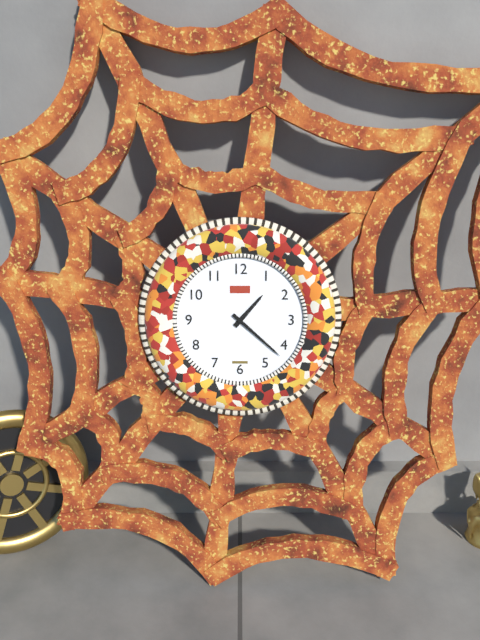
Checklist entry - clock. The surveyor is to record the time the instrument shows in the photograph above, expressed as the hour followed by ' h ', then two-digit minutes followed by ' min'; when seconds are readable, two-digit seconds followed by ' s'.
1 h 22 min
